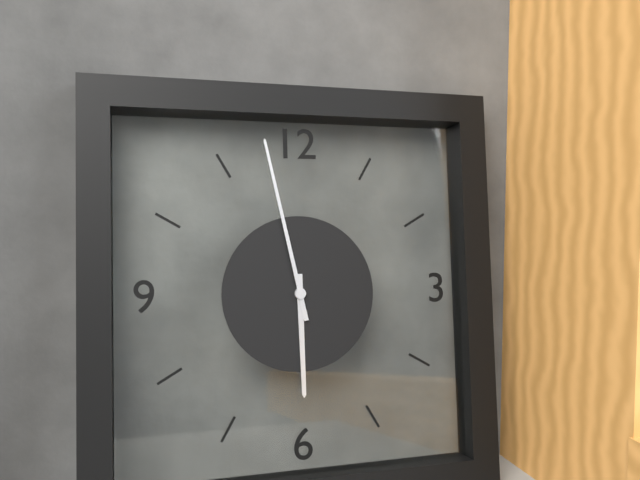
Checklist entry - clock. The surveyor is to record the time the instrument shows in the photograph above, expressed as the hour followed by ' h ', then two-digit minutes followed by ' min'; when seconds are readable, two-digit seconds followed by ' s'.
5 h 58 min
